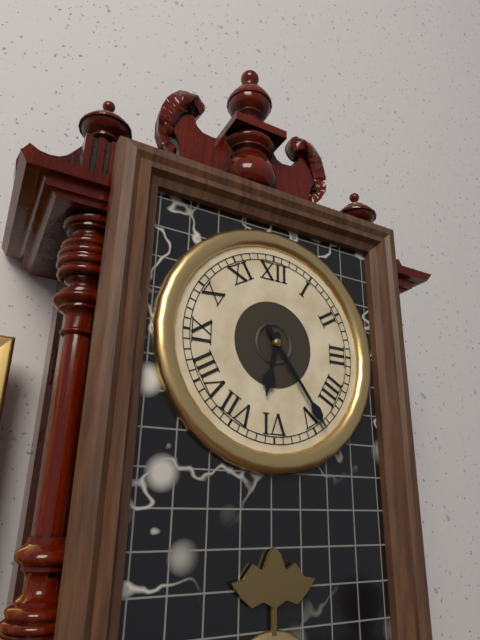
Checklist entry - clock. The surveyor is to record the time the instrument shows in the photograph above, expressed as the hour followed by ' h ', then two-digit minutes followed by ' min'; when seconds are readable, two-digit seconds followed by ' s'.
6 h 24 min
